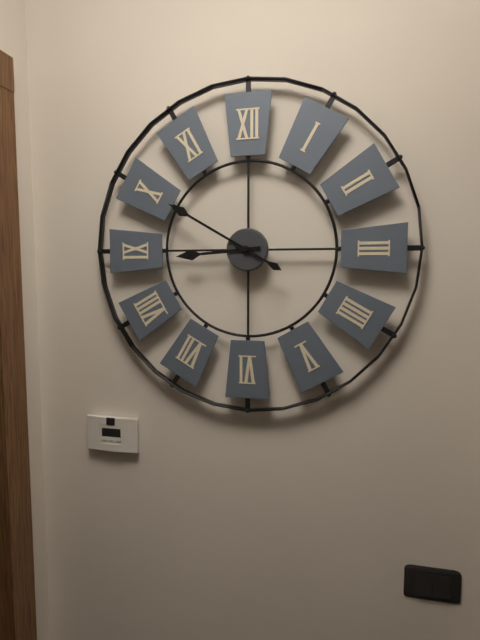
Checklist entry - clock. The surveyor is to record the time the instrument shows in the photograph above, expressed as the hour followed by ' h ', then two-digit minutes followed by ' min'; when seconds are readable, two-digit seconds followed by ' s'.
8 h 50 min
